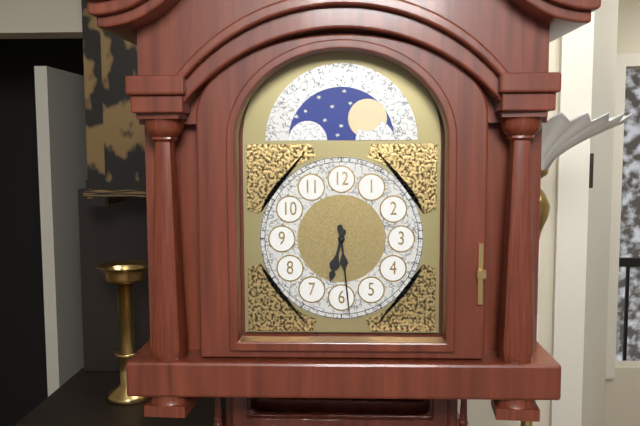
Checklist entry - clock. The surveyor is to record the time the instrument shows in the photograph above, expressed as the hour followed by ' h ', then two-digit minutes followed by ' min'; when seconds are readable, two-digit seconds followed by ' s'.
6 h 29 min
